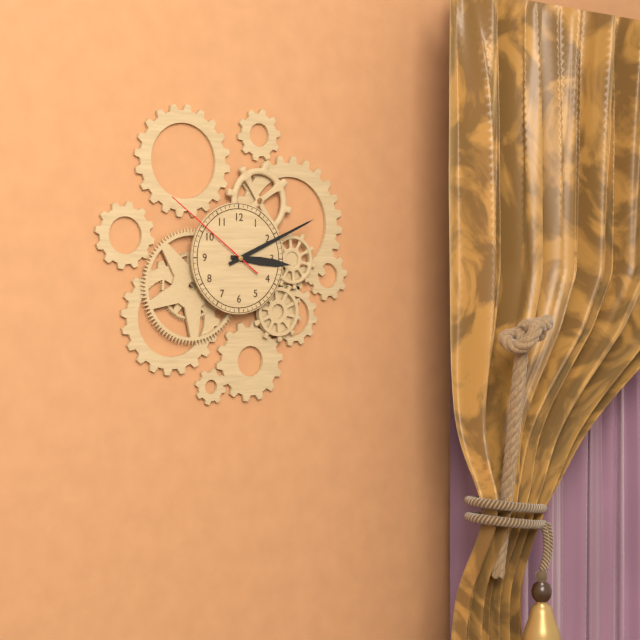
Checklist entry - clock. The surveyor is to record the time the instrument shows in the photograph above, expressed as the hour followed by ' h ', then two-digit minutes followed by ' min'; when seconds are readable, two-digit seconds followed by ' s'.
3 h 11 min 51 s
